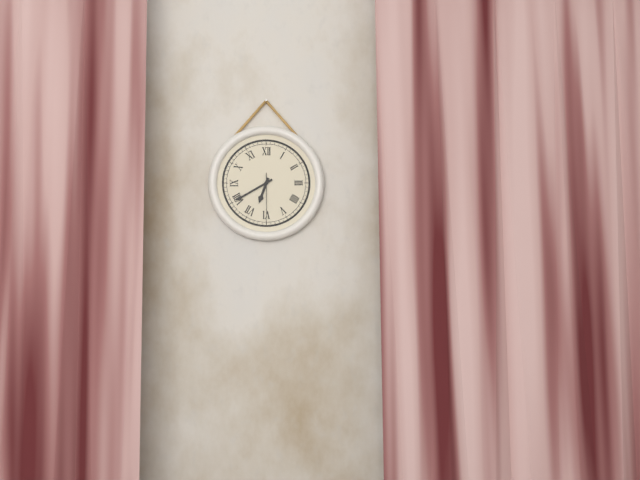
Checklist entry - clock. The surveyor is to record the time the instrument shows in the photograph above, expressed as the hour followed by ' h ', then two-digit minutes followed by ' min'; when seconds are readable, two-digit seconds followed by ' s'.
6 h 40 min
